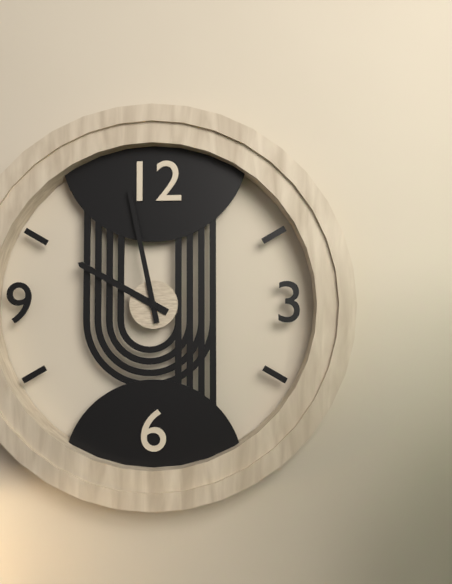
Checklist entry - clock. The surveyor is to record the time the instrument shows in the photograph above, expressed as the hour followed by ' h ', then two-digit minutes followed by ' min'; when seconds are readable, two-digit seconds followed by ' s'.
9 h 58 min
